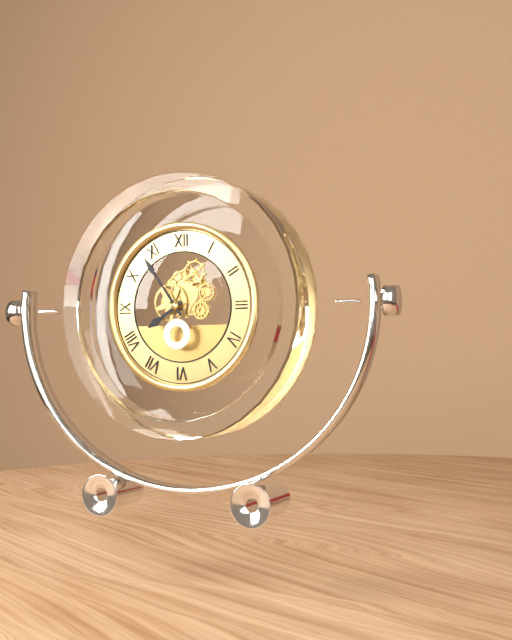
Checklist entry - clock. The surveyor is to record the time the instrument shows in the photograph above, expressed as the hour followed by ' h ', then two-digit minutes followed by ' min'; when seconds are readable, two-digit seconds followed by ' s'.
7 h 54 min
